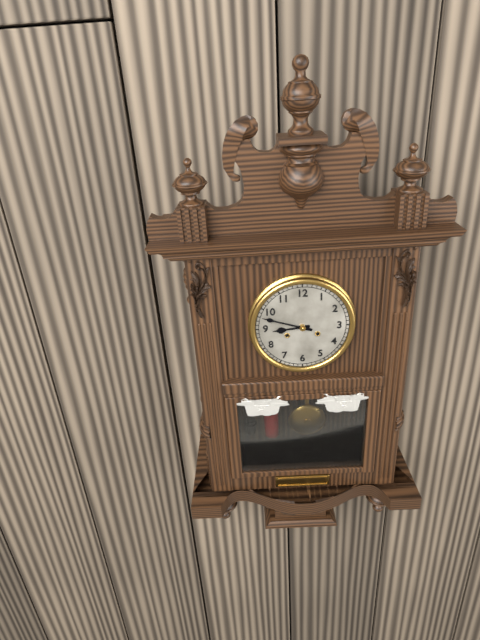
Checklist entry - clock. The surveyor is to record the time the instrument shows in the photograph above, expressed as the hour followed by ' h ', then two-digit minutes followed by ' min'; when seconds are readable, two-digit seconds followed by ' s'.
8 h 48 min
